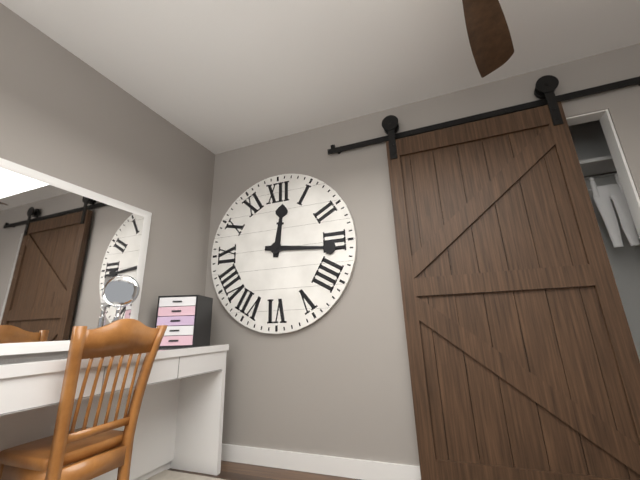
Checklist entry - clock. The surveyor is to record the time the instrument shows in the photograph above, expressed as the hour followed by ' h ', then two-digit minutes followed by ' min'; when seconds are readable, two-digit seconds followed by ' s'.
12 h 16 min
